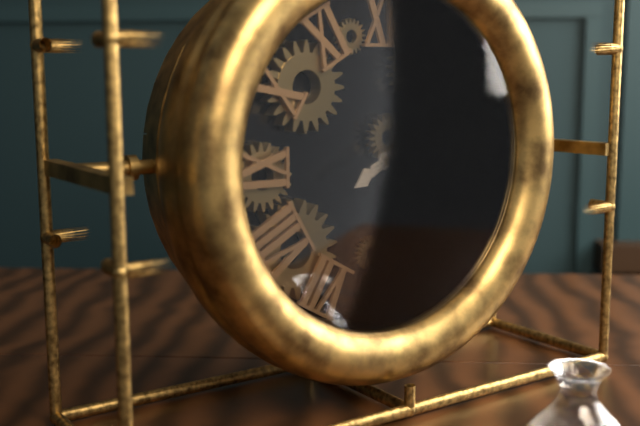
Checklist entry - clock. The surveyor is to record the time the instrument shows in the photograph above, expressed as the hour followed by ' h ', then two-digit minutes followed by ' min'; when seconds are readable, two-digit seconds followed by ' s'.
2 h 10 min
